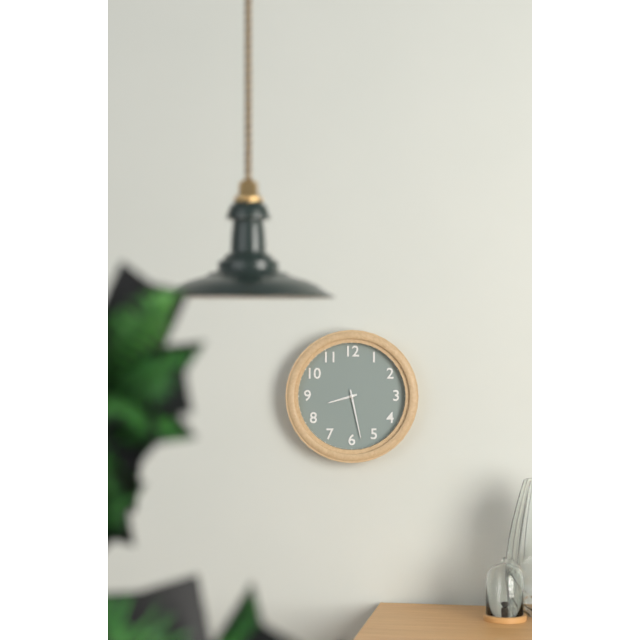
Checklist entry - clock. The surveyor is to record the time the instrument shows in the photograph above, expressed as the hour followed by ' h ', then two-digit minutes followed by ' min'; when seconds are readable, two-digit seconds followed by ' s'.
8 h 28 min
